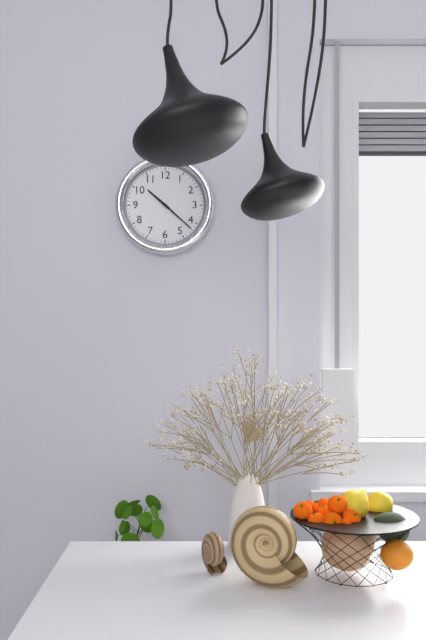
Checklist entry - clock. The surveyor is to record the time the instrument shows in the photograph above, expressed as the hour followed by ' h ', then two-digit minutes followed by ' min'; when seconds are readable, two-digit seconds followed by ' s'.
10 h 22 min
